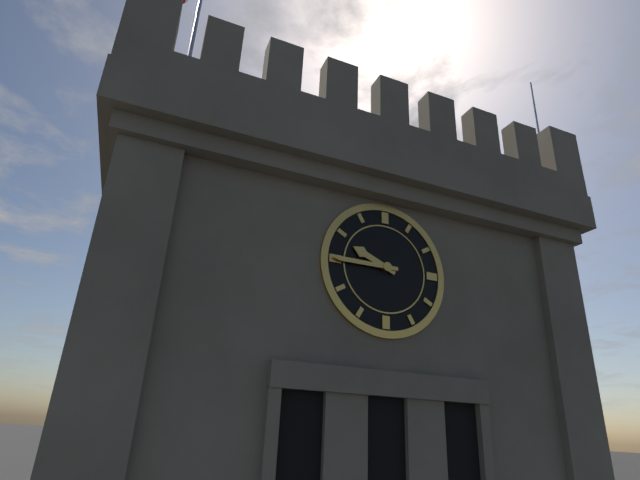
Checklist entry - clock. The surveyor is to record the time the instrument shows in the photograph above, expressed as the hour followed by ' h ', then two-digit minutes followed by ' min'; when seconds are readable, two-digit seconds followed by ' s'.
9 h 45 min
